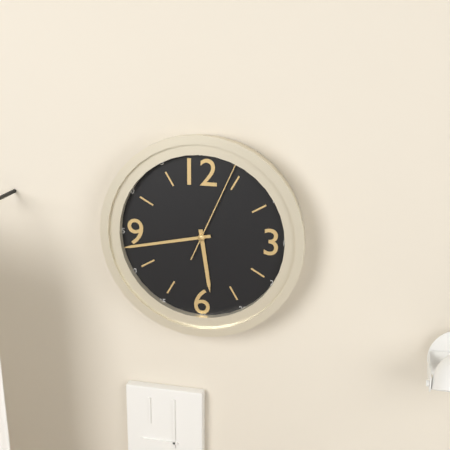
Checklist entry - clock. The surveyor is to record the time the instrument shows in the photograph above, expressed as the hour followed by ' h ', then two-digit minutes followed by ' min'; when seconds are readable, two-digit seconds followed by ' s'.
5 h 43 min 04 s
